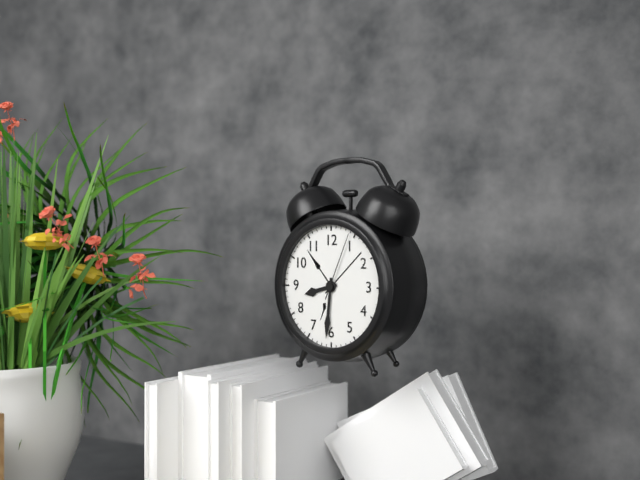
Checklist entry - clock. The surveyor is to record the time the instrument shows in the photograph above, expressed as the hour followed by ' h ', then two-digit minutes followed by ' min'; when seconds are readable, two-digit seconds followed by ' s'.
8 h 31 min 04 s
